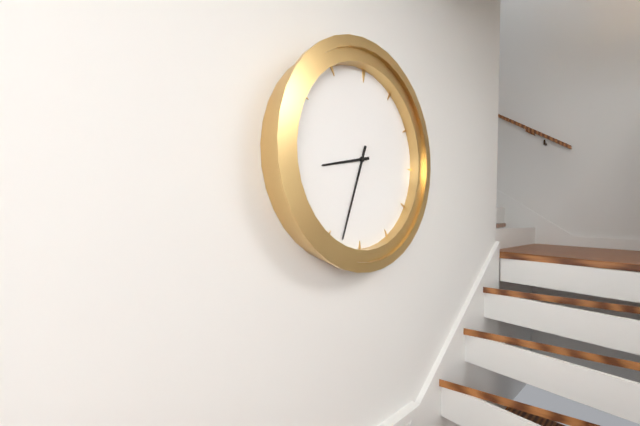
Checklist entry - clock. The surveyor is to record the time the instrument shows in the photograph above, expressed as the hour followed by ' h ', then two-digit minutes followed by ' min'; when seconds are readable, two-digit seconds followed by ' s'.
8 h 33 min
